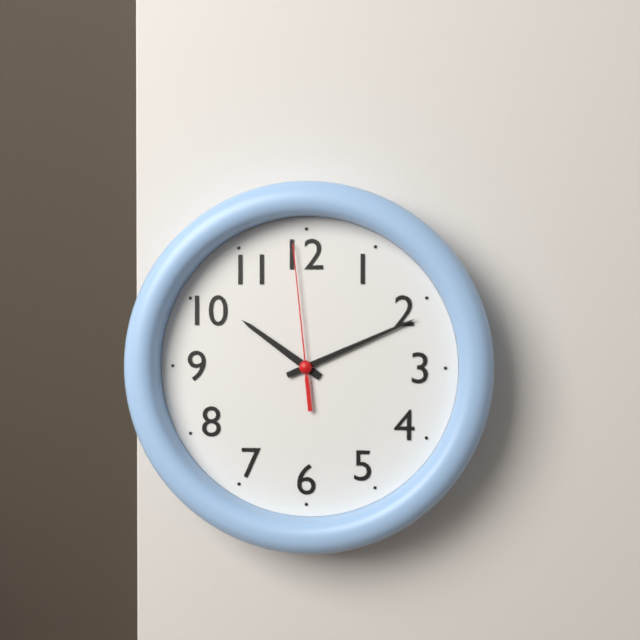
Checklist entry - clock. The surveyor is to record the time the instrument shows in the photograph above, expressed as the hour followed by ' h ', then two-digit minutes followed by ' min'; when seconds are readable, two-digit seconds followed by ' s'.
10 h 11 min 59 s
